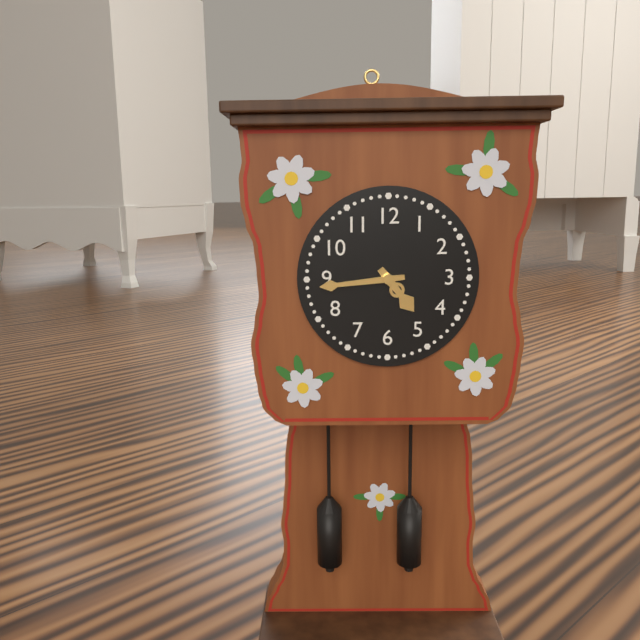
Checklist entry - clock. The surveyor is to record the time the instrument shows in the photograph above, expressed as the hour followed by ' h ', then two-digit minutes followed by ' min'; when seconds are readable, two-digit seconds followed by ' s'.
4 h 44 min
